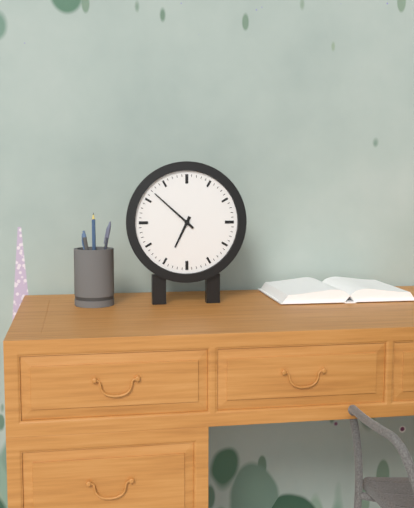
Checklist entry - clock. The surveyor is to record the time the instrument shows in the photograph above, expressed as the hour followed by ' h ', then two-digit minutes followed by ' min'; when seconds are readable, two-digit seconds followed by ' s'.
6 h 52 min
